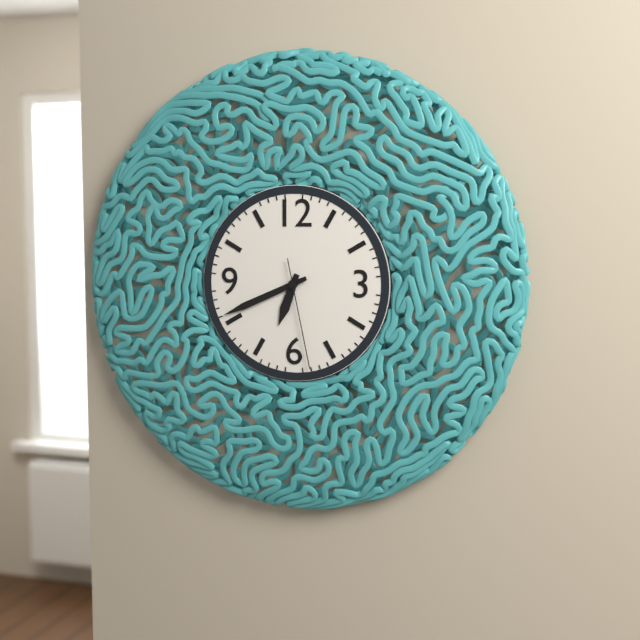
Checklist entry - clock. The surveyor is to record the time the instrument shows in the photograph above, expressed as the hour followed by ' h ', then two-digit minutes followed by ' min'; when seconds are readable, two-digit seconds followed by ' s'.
6 h 41 min 28 s
